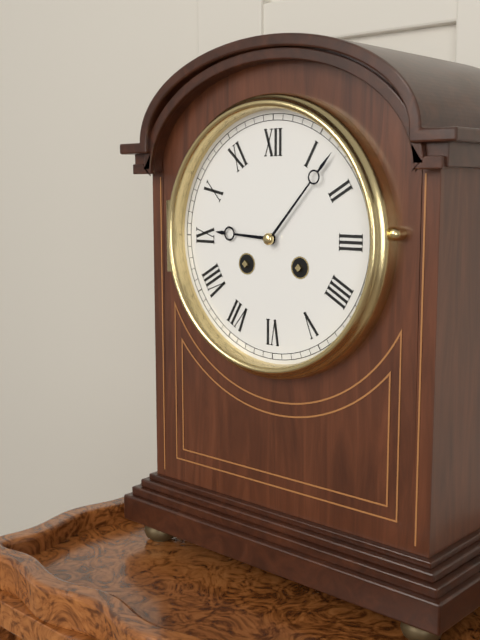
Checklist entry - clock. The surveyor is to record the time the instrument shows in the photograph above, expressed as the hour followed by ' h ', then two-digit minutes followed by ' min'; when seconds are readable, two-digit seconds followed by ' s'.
9 h 07 min
